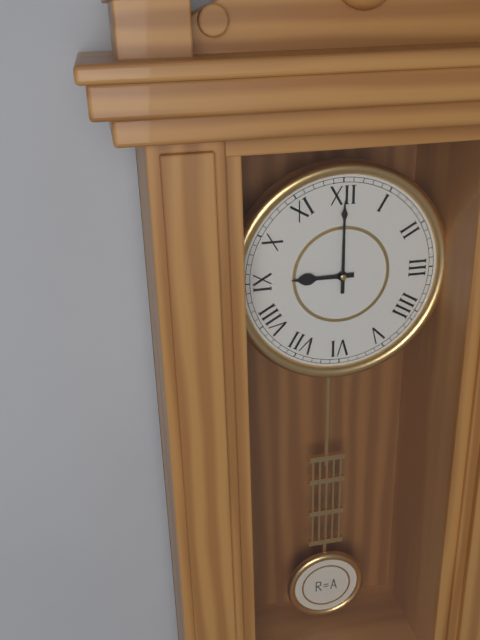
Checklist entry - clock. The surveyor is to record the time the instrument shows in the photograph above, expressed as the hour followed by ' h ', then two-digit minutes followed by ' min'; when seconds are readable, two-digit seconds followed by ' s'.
9 h 00 min
